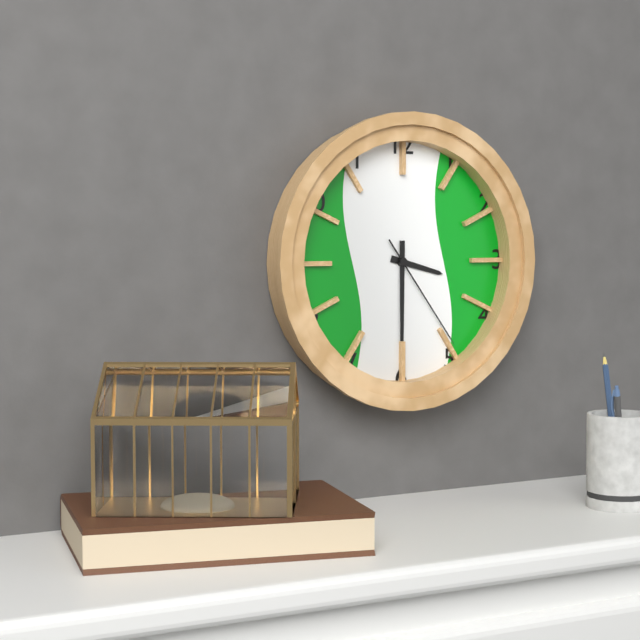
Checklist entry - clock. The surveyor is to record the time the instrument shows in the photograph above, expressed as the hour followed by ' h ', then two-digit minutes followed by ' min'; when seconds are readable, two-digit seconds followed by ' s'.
3 h 30 min 24 s
